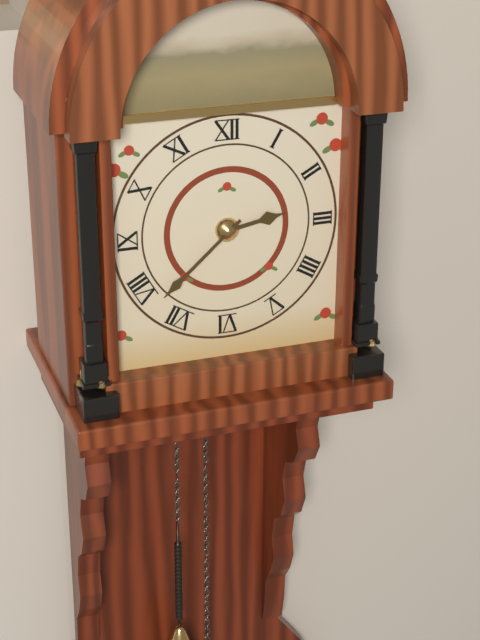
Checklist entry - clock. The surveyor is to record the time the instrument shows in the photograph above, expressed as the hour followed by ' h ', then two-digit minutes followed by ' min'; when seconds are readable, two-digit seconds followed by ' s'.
2 h 38 min
